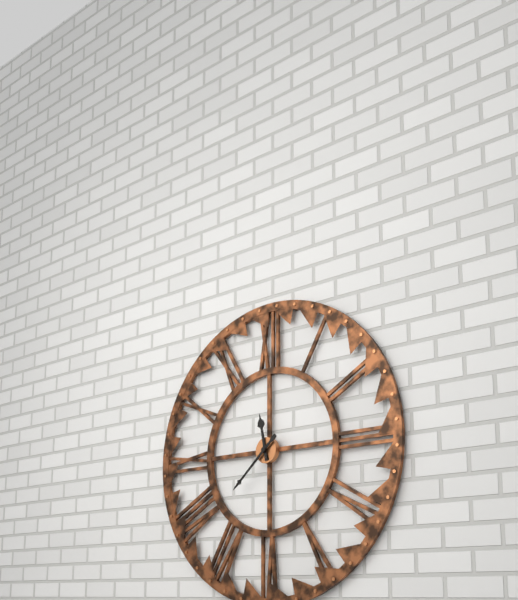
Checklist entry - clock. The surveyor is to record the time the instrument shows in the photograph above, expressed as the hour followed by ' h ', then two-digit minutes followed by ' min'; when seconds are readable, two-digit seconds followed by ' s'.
11 h 38 min
